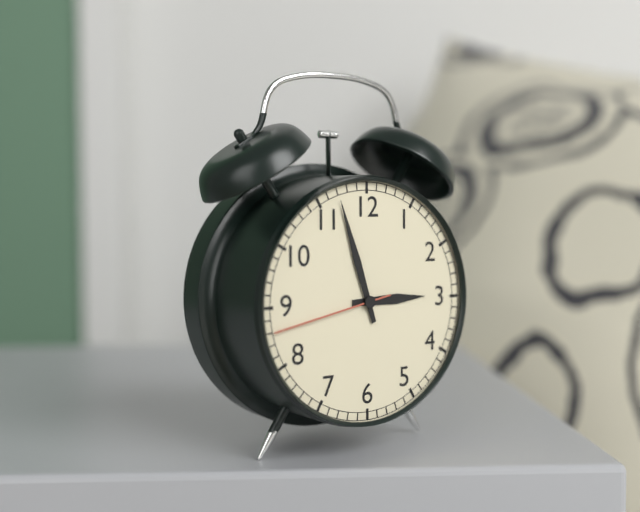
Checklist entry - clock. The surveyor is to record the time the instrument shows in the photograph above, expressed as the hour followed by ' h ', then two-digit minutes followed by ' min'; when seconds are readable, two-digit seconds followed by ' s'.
2 h 57 min 43 s
